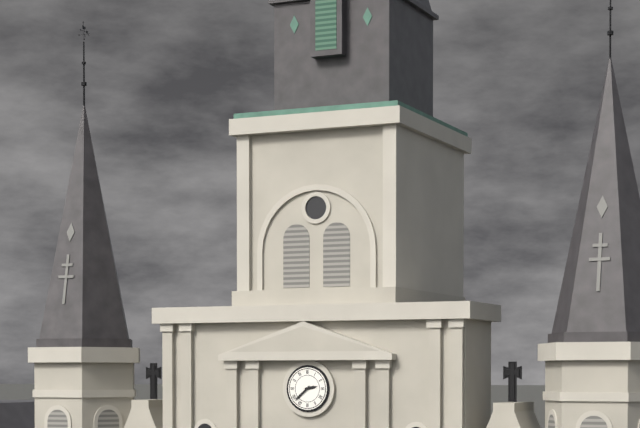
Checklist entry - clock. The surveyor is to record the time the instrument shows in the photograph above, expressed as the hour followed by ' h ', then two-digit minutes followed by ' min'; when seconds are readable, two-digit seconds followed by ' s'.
2 h 38 min
